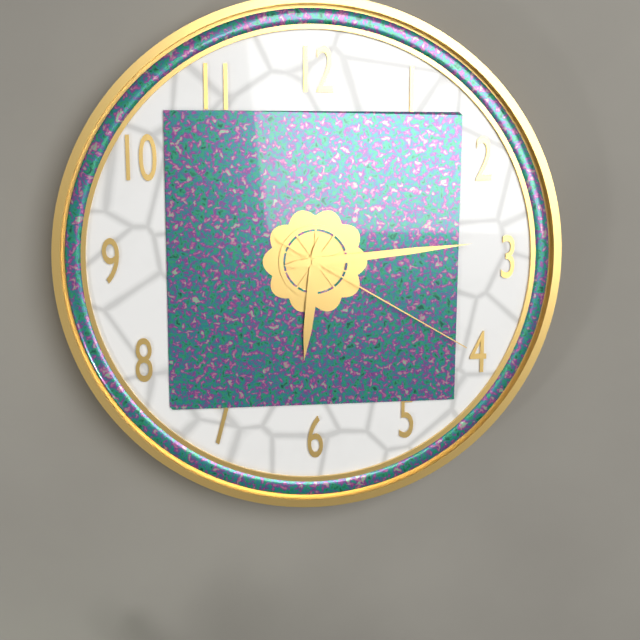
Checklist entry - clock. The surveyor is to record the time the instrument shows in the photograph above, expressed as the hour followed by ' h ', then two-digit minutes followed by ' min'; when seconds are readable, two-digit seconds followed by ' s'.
6 h 14 min 20 s
